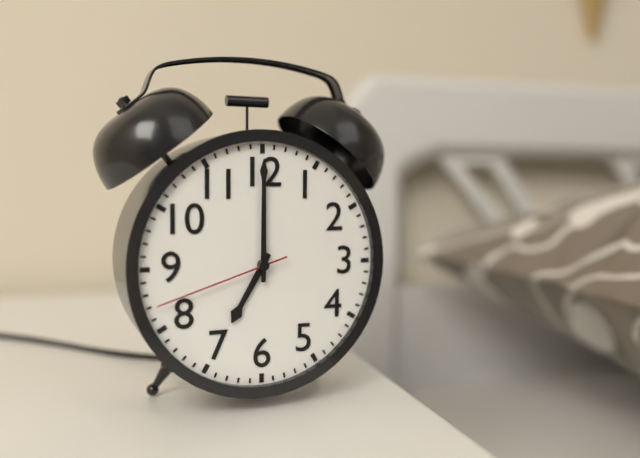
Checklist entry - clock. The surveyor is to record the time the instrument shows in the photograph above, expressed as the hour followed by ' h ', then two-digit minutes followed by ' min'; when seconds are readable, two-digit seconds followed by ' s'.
7 h 00 min 42 s
